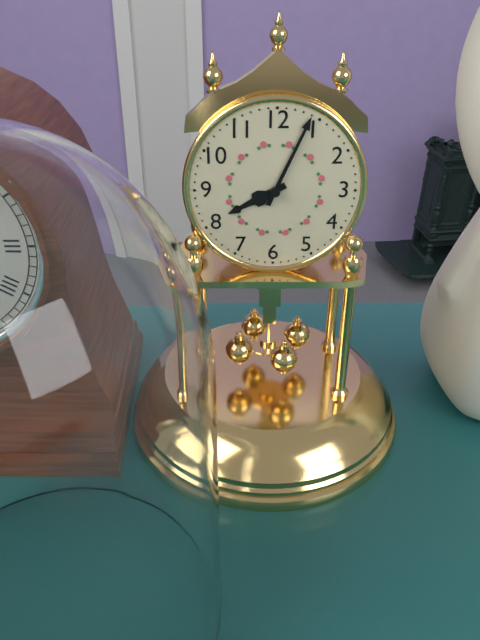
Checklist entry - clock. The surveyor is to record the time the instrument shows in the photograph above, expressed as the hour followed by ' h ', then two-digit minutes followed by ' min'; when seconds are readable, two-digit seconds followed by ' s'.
8 h 04 min
